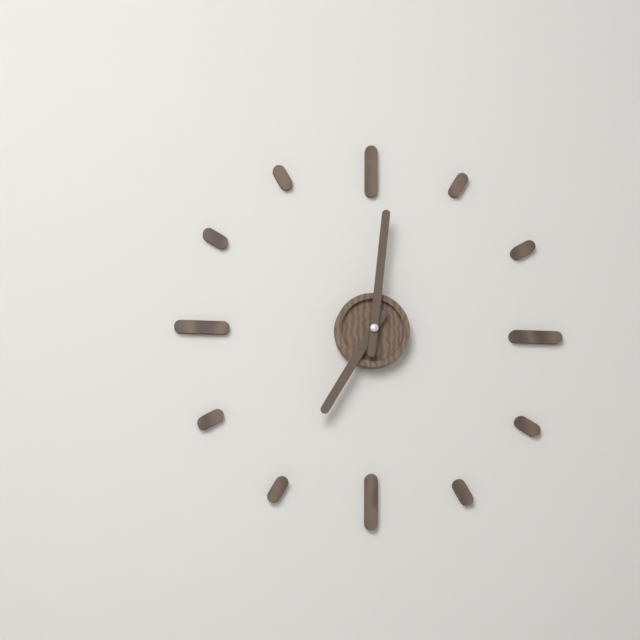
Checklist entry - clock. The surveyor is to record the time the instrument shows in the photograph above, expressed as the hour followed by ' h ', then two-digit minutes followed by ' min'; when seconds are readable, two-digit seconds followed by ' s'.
7 h 01 min
